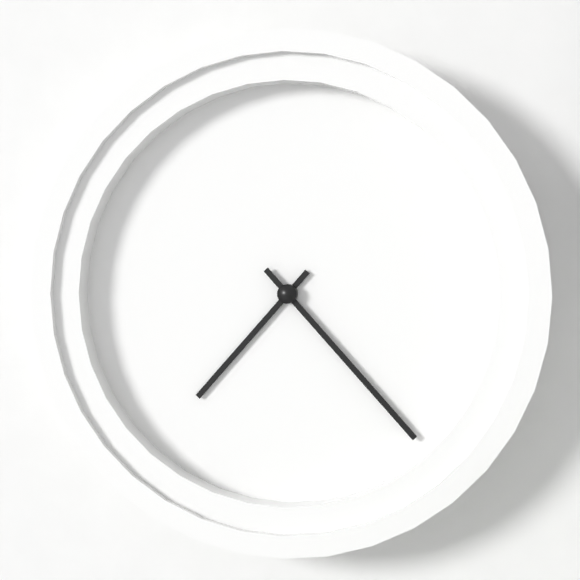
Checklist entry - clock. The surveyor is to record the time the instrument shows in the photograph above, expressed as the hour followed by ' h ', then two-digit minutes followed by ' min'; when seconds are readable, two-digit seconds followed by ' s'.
7 h 23 min
